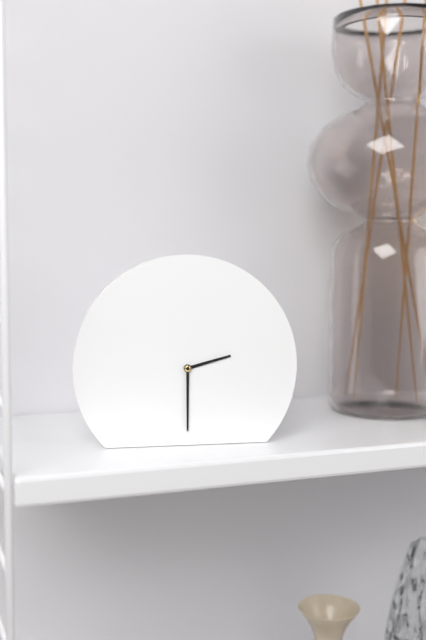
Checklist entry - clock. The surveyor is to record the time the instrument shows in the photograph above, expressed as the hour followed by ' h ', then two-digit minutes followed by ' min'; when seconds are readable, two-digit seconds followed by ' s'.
2 h 30 min
